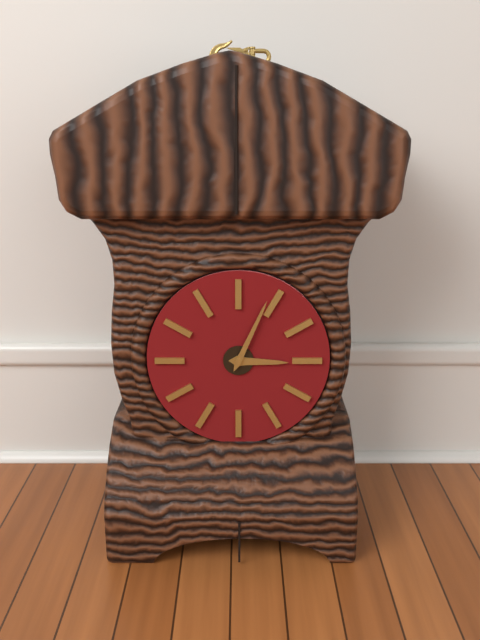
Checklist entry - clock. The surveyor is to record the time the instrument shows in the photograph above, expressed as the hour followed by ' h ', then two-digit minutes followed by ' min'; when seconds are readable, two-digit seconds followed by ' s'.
3 h 04 min
